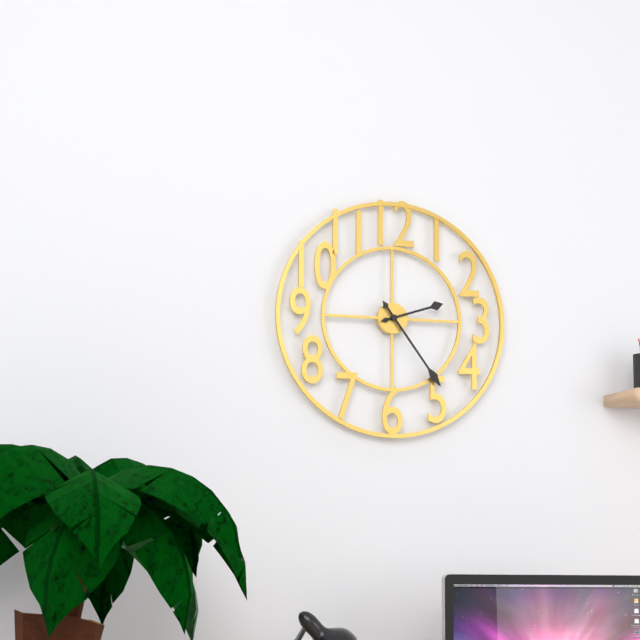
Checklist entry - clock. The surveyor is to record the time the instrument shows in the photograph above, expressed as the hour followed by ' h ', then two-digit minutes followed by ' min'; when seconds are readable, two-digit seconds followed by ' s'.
2 h 24 min
